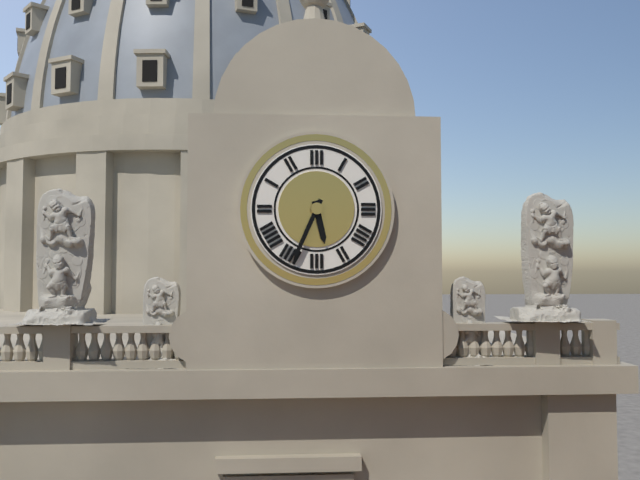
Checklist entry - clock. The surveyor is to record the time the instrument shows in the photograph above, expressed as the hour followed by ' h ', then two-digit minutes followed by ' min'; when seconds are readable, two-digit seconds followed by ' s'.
5 h 34 min
